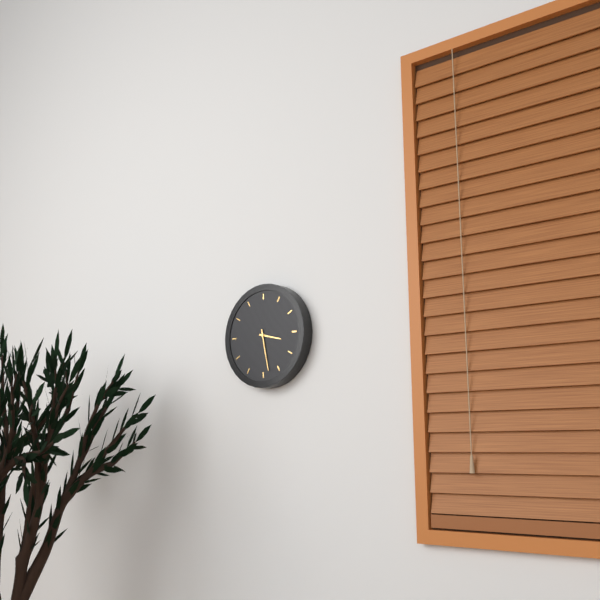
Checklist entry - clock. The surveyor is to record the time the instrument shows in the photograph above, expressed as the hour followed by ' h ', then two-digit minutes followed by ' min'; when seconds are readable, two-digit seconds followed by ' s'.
3 h 28 min
